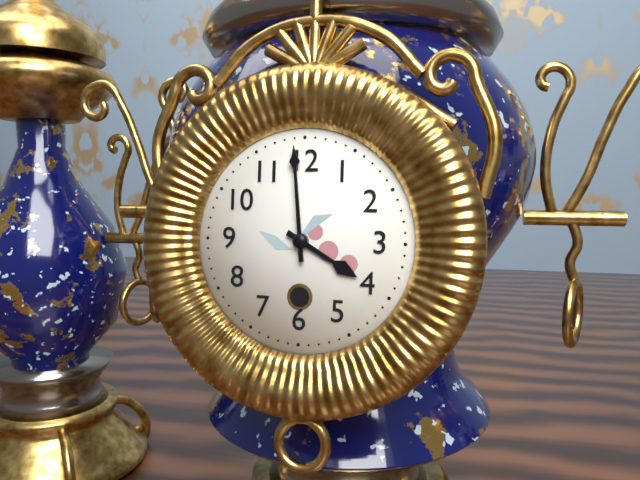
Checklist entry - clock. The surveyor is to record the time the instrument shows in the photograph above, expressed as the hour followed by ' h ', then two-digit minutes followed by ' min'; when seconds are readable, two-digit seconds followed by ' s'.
3 h 59 min
